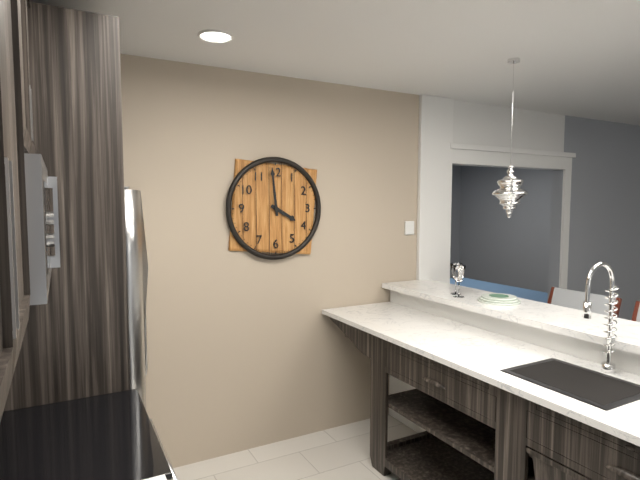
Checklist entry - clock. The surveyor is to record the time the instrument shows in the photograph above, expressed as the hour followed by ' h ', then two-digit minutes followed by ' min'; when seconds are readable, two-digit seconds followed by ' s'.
3 h 59 min
